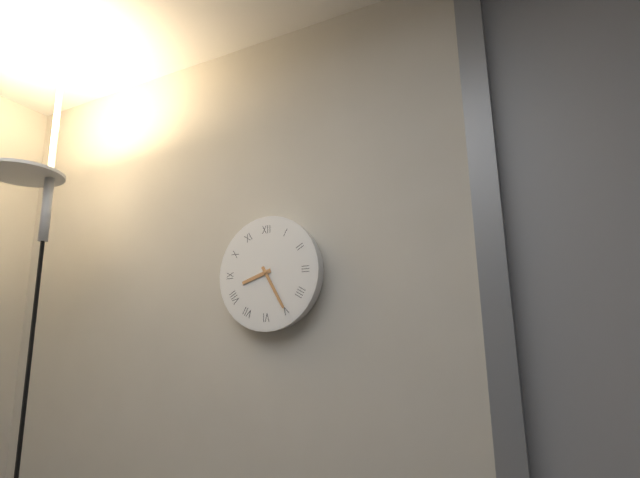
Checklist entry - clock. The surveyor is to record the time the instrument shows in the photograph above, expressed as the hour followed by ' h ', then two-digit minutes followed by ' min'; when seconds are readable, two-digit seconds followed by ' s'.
8 h 25 min
